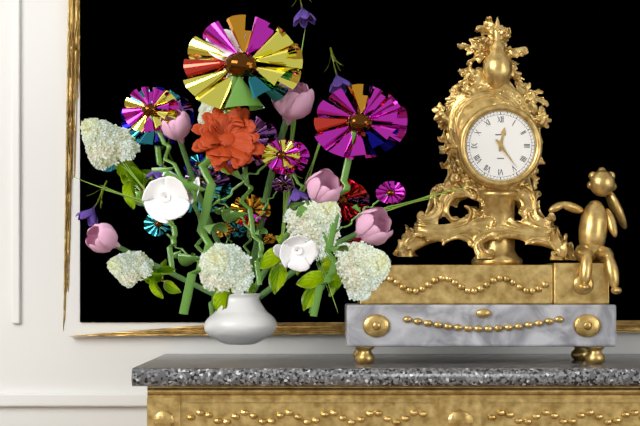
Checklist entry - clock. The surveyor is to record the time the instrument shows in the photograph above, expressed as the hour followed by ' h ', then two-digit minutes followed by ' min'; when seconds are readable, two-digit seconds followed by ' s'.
12 h 24 min
